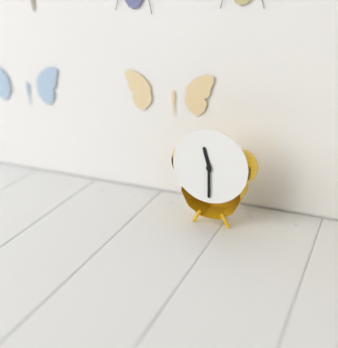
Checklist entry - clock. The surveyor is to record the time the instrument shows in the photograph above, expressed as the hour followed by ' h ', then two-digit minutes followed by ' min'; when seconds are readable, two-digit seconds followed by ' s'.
11 h 30 min
